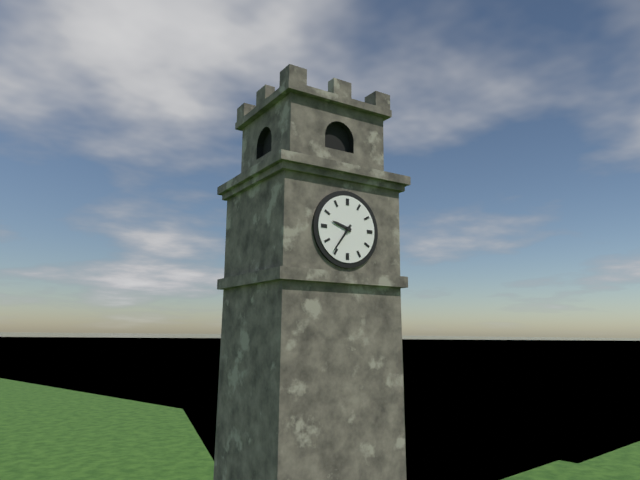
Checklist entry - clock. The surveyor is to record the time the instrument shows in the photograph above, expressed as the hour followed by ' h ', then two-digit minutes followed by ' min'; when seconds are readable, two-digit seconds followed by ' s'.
9 h 36 min
